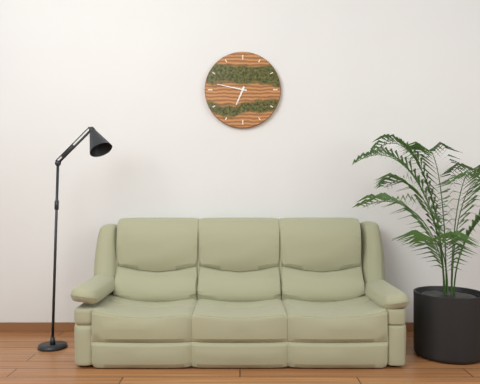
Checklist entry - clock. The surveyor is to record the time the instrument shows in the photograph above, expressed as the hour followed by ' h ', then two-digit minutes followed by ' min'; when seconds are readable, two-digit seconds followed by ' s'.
6 h 47 min
